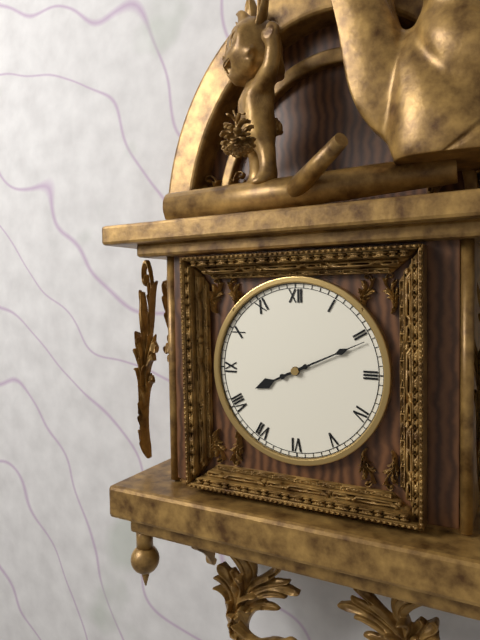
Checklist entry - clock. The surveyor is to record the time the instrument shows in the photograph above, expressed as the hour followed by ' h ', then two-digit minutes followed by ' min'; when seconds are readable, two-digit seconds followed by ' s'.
8 h 11 min
